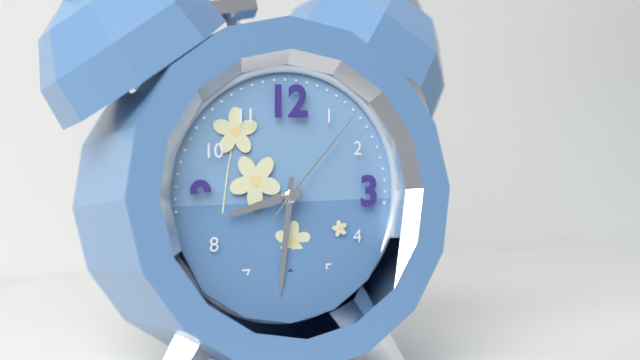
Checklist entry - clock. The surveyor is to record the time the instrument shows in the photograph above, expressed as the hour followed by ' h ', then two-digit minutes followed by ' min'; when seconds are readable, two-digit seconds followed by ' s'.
8 h 31 min 07 s
